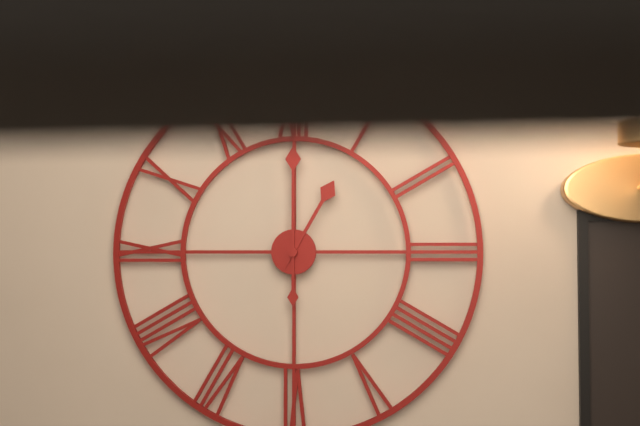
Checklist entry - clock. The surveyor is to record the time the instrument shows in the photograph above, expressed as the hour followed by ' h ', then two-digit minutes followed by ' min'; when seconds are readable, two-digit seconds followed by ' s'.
1 h 00 min
